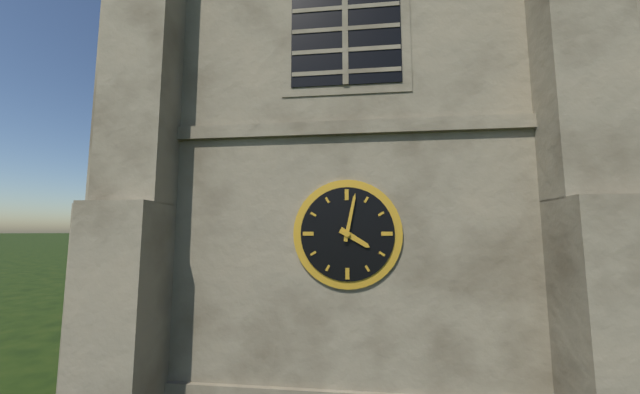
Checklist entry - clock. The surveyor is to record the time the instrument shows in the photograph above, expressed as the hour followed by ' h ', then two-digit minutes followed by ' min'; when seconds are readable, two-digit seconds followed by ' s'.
4 h 02 min
